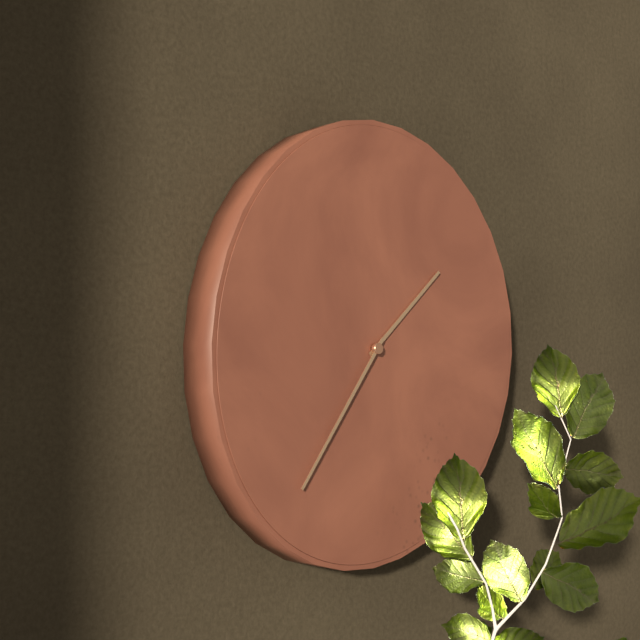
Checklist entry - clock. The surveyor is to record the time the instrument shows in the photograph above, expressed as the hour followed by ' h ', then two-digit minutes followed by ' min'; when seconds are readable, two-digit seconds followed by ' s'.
1 h 36 min
